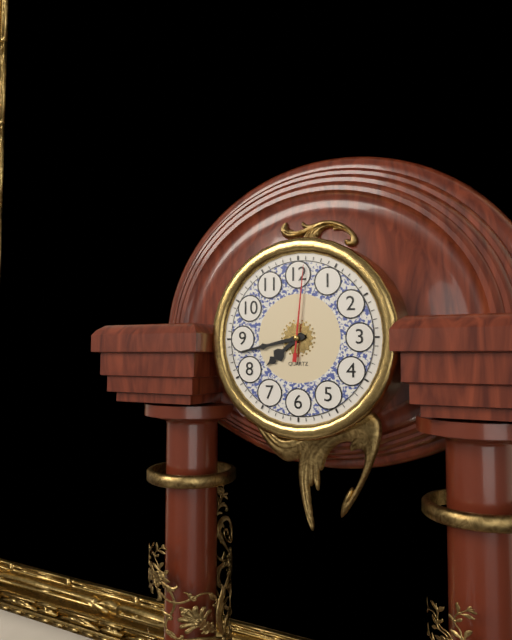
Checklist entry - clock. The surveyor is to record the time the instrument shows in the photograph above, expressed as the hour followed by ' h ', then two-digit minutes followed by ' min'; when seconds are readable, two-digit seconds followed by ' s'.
7 h 43 min 01 s
